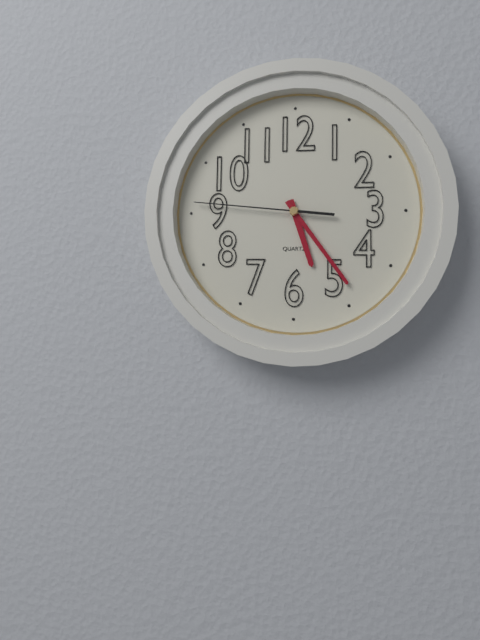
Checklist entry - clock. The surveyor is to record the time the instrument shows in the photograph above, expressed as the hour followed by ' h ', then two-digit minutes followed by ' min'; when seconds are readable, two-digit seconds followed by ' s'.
5 h 24 min 46 s
